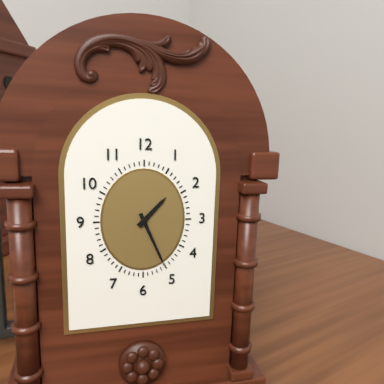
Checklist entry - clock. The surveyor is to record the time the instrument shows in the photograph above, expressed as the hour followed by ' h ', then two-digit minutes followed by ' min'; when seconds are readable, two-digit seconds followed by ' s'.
1 h 26 min
